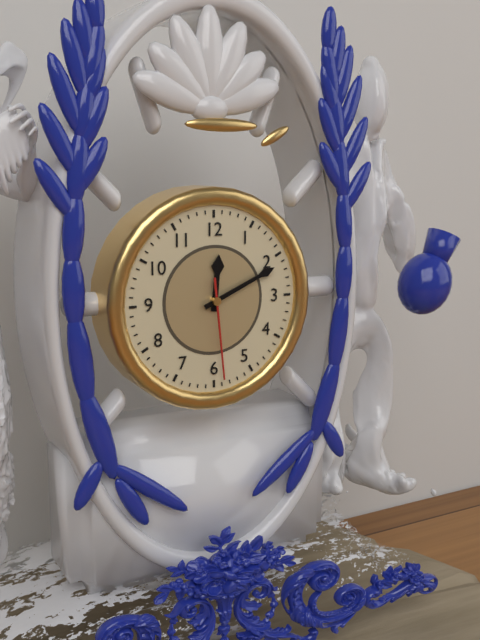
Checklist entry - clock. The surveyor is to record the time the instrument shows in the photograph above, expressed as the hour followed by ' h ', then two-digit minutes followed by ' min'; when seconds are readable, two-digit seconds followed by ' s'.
12 h 11 min 29 s
